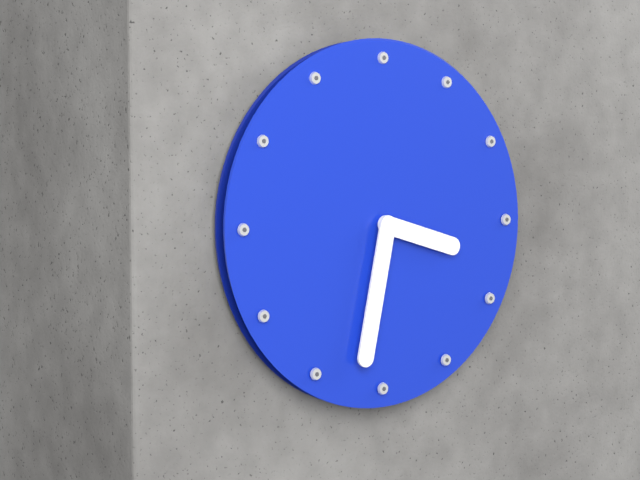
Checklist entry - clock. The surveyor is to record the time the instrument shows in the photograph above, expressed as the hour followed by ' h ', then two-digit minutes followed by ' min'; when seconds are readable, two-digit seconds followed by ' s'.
3 h 32 min
